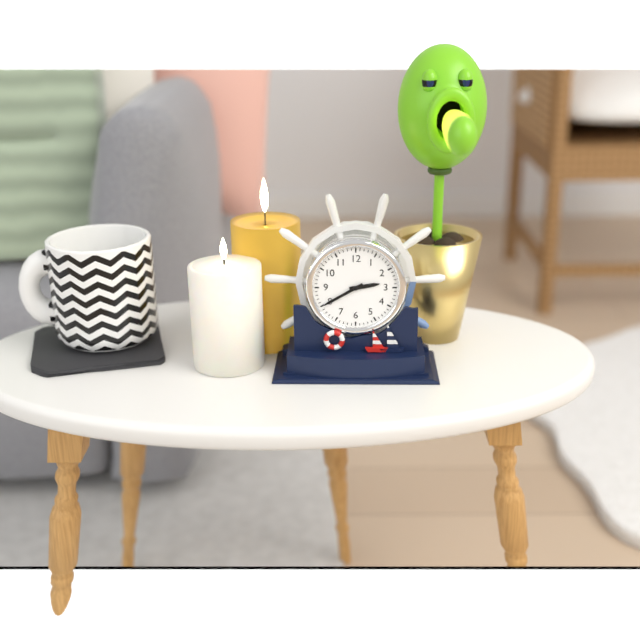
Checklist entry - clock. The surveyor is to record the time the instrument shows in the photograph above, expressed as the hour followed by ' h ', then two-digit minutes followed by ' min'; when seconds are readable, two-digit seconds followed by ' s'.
2 h 40 min
